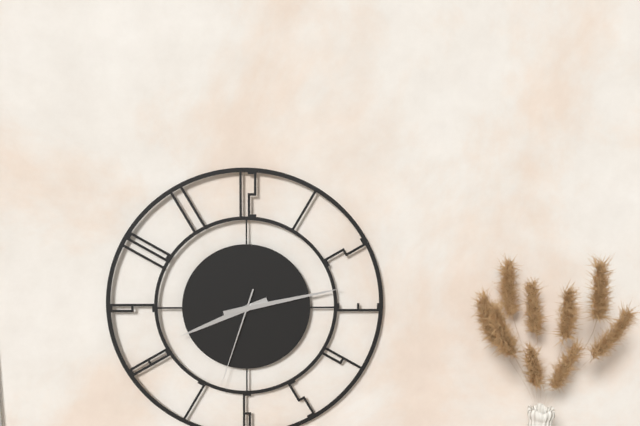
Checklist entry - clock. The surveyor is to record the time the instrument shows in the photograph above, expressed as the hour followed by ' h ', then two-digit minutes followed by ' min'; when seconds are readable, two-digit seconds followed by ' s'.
8 h 13 min 33 s
